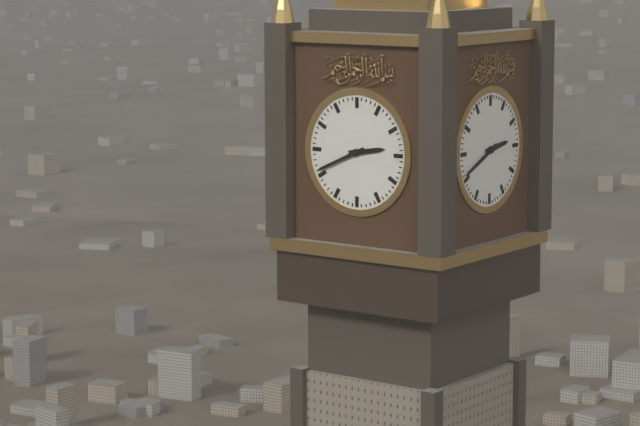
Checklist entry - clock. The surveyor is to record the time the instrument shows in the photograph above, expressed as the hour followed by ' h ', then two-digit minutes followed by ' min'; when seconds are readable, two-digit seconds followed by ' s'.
2 h 41 min
